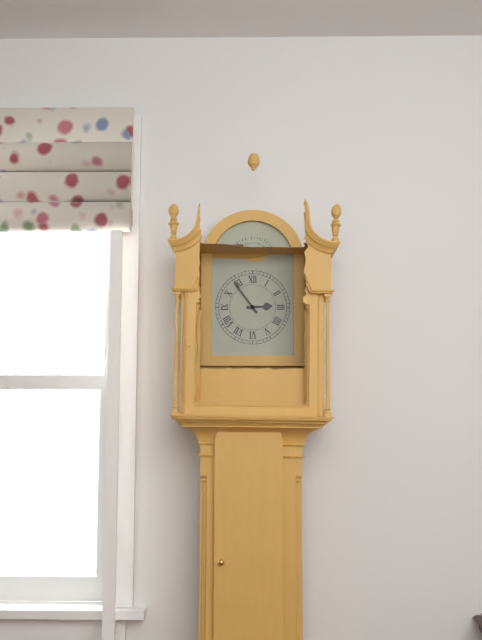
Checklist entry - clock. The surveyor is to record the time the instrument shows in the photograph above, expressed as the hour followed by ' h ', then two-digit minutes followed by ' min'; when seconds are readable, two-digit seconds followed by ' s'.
2 h 54 min
